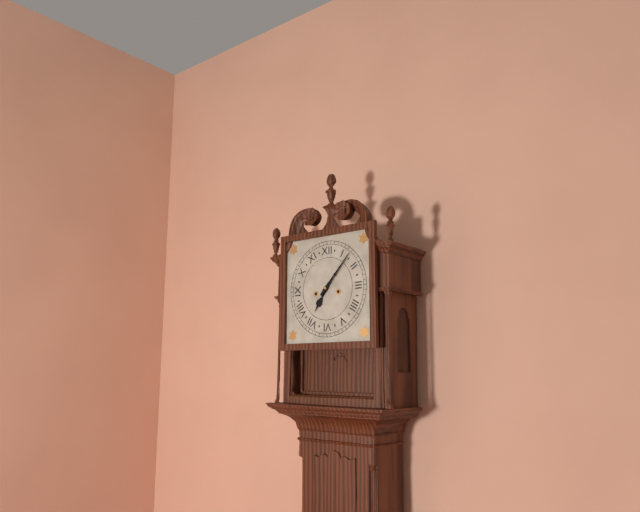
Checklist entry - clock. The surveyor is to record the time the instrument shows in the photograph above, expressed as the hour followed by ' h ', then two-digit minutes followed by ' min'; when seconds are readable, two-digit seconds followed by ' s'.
7 h 07 min
